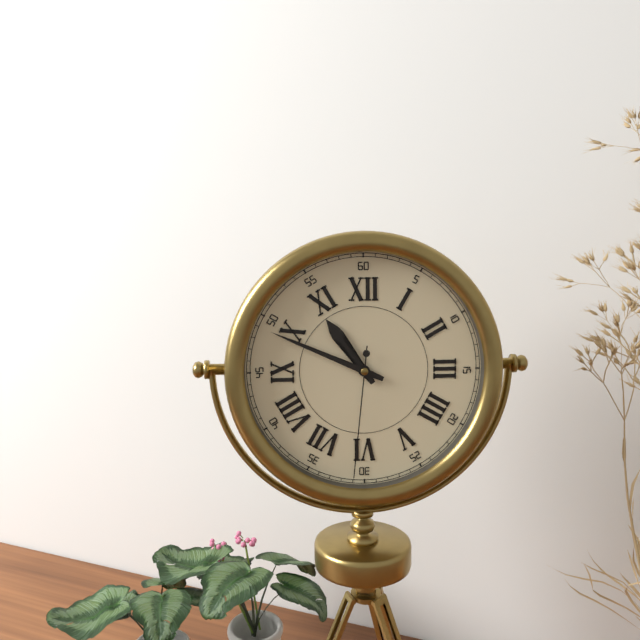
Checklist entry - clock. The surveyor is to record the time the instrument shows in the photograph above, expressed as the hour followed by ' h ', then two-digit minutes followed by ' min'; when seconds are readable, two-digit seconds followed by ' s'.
10 h 49 min 31 s
